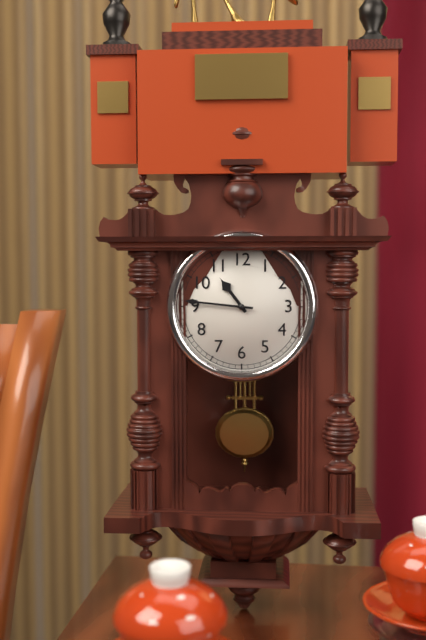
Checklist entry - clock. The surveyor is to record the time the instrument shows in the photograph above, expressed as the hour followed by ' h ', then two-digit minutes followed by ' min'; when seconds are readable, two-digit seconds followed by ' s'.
10 h 46 min
